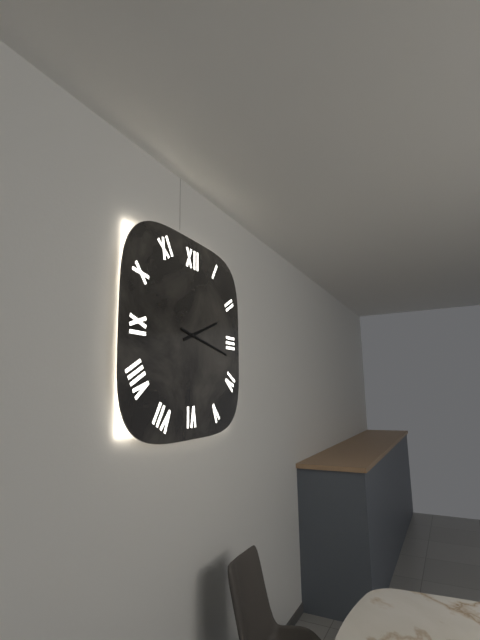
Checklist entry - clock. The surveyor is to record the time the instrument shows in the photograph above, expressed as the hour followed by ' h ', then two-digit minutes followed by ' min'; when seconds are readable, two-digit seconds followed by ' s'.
2 h 17 min
